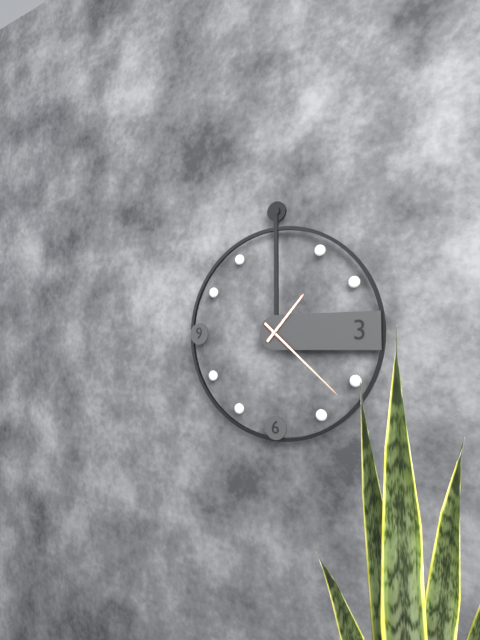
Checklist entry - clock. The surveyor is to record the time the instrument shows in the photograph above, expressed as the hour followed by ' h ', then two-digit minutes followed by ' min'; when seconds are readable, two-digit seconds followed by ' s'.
1 h 22 min
